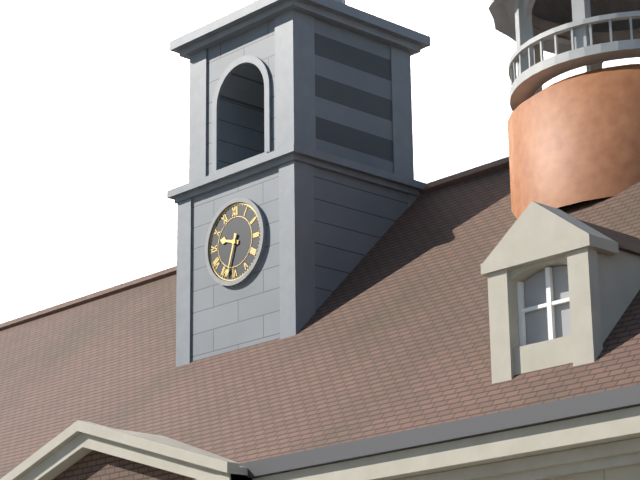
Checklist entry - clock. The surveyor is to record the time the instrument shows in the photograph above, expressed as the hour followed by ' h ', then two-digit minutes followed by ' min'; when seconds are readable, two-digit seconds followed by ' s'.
9 h 33 min
